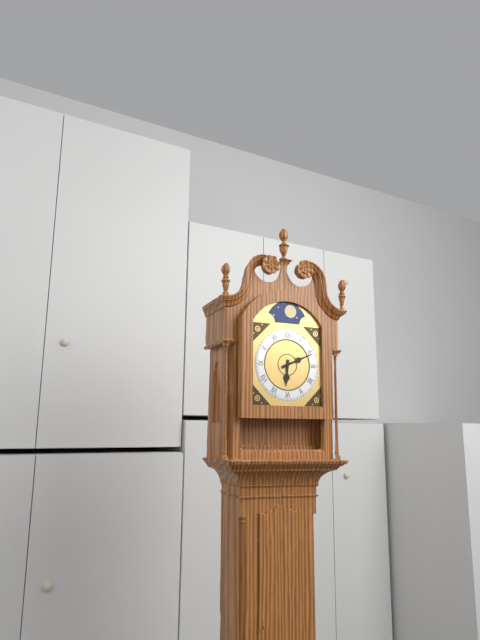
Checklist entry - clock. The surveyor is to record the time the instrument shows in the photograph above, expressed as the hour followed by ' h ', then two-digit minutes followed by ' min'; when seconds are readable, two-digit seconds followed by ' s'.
6 h 11 min
